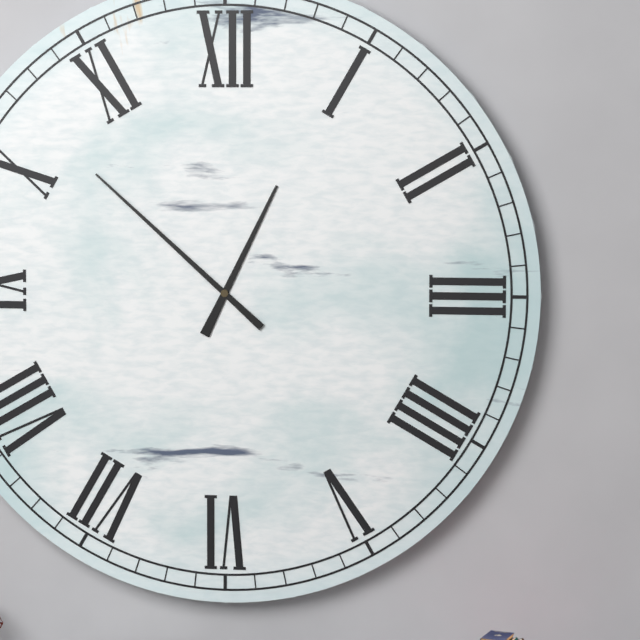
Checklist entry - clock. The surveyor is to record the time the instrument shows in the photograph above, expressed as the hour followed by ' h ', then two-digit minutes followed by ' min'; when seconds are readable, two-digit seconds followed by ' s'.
12 h 52 min
